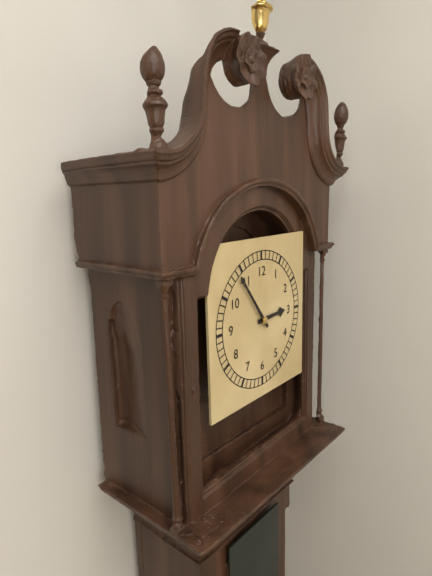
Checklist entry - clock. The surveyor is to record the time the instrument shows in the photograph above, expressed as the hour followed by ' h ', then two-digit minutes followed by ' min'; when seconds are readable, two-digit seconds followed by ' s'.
2 h 54 min
